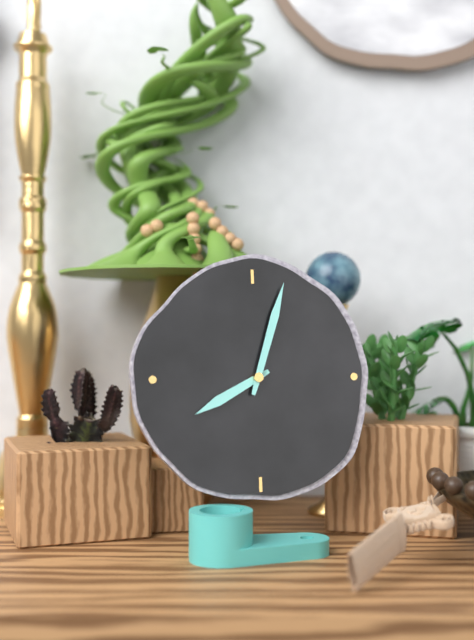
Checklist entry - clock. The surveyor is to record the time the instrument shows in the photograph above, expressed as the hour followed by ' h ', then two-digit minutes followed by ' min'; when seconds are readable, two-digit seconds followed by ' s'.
8 h 03 min
